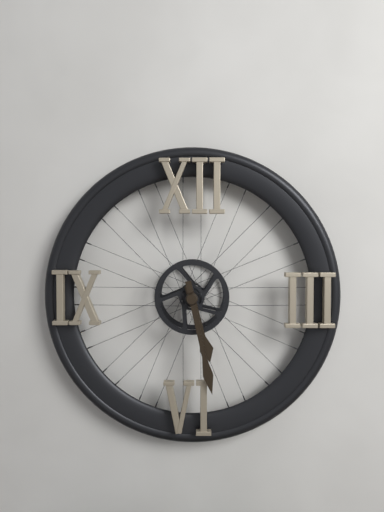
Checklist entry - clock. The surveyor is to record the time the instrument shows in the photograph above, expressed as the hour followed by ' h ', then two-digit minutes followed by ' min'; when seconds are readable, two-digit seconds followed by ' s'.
5 h 28 min
